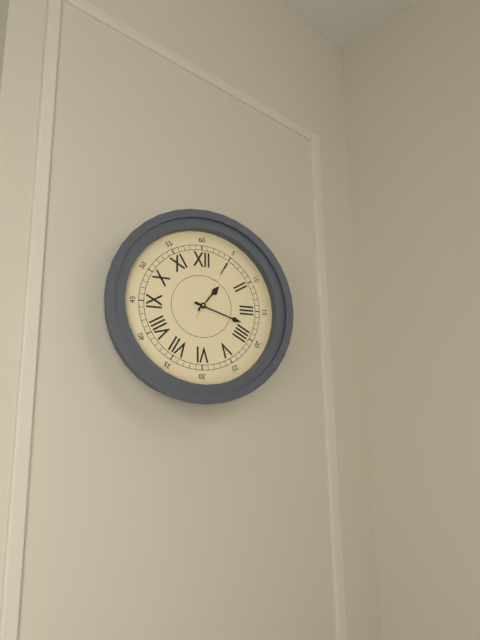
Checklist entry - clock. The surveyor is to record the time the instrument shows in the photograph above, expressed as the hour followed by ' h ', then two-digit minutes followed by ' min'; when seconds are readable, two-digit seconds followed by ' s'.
1 h 18 min 05 s
